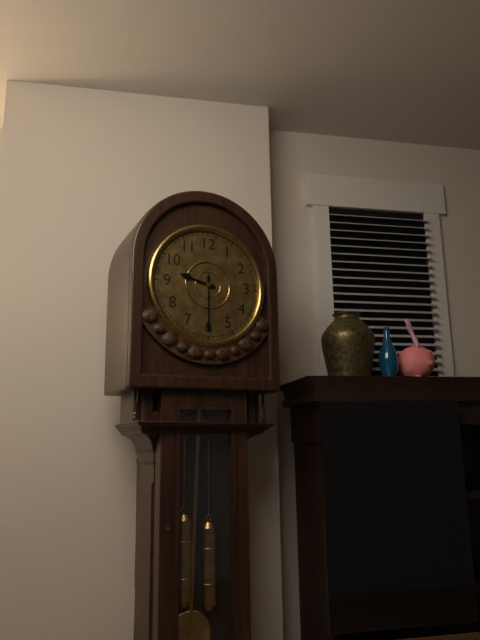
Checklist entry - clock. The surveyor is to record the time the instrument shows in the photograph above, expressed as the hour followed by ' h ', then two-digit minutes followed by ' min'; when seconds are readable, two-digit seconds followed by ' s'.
9 h 30 min
